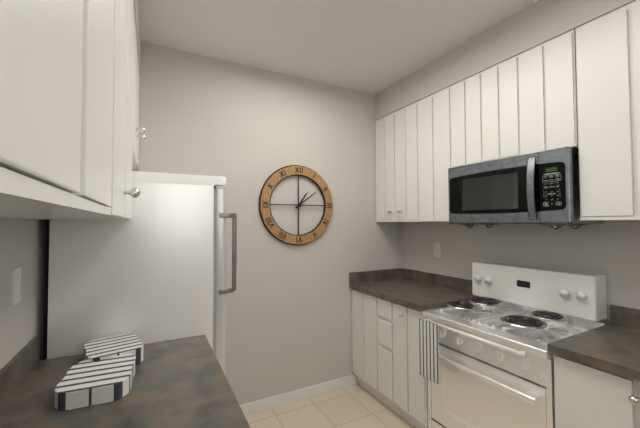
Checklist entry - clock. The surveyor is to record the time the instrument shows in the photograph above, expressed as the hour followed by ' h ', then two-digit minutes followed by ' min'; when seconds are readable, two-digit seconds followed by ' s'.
1 h 09 min
